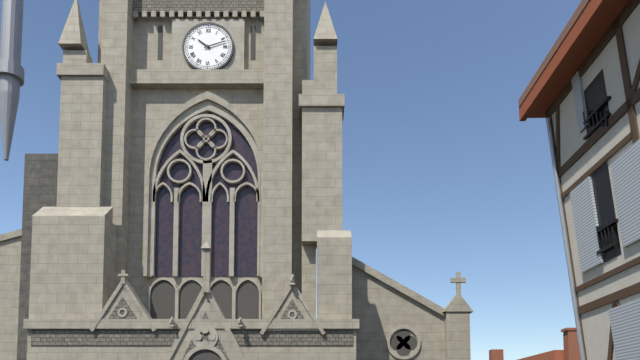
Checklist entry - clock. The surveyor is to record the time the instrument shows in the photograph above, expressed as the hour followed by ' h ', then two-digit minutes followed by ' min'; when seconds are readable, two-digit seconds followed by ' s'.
10 h 12 min
